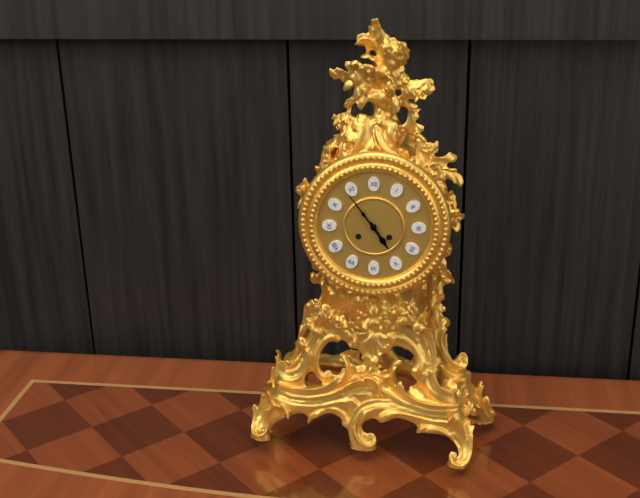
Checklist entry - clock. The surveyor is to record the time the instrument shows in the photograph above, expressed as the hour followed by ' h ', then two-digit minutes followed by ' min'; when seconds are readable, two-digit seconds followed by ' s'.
4 h 54 min
